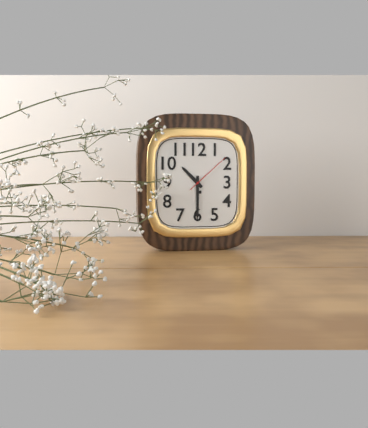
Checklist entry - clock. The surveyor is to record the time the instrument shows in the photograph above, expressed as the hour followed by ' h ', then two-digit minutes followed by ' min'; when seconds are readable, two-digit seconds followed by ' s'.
10 h 30 min 08 s
